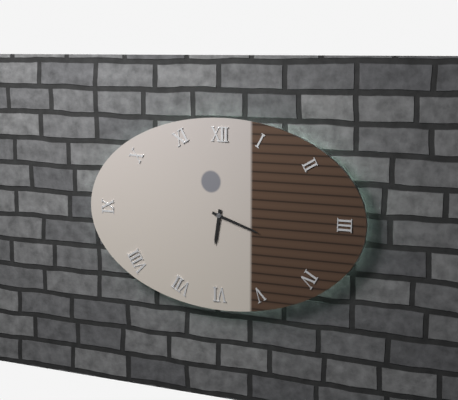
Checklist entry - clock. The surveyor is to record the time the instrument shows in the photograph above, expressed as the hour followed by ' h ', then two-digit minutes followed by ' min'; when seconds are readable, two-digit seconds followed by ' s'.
6 h 18 min
